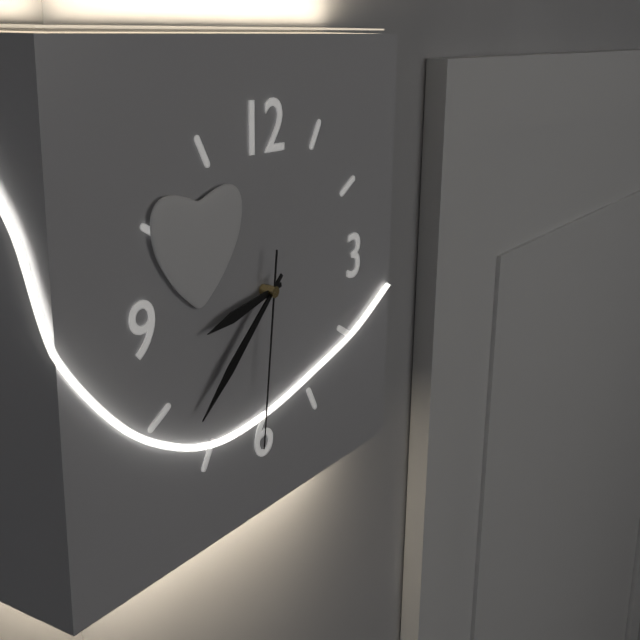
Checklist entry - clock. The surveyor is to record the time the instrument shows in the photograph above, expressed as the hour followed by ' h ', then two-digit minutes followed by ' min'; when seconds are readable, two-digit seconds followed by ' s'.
8 h 38 min 31 s
